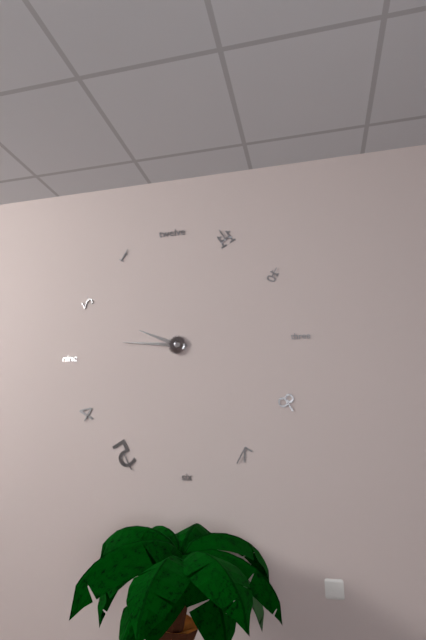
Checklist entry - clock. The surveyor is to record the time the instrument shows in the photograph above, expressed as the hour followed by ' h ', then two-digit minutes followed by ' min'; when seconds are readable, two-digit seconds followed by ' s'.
9 h 46 min
